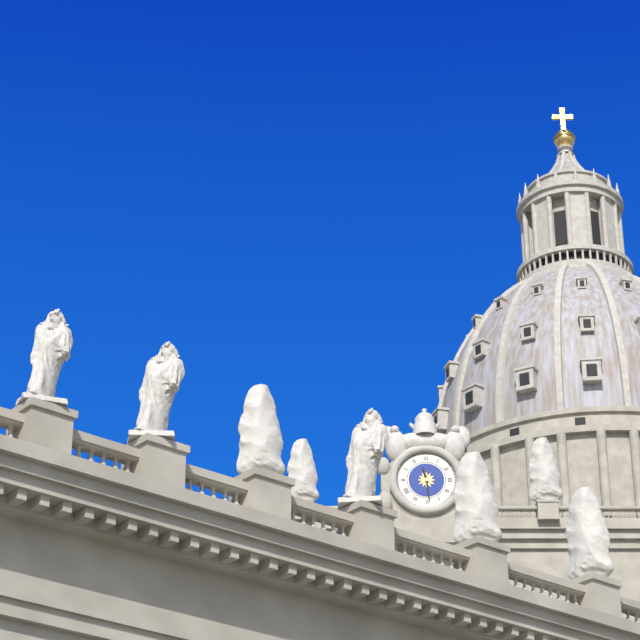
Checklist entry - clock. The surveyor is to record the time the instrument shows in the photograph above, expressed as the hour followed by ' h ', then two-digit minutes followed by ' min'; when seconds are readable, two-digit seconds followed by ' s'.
11 h 29 min
